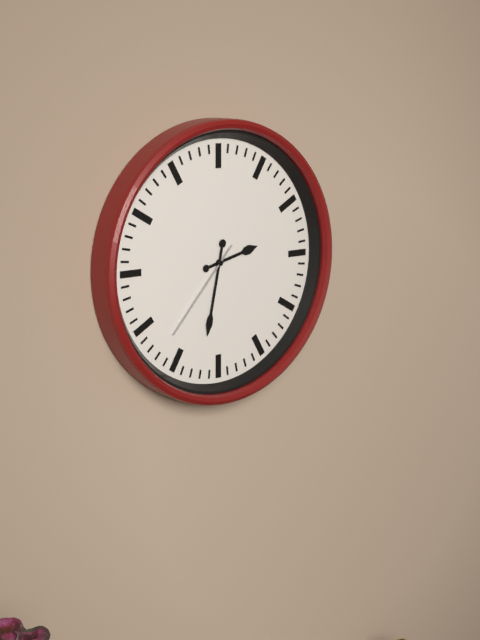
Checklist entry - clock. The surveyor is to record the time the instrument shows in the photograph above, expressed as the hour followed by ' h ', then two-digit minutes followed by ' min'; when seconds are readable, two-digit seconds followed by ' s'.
2 h 32 min 37 s
